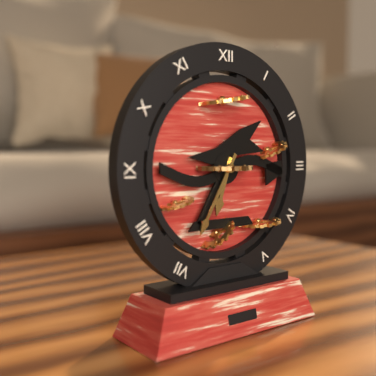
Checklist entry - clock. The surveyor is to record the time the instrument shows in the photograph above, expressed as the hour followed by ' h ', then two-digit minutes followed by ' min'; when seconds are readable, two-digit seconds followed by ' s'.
6 h 35 min
